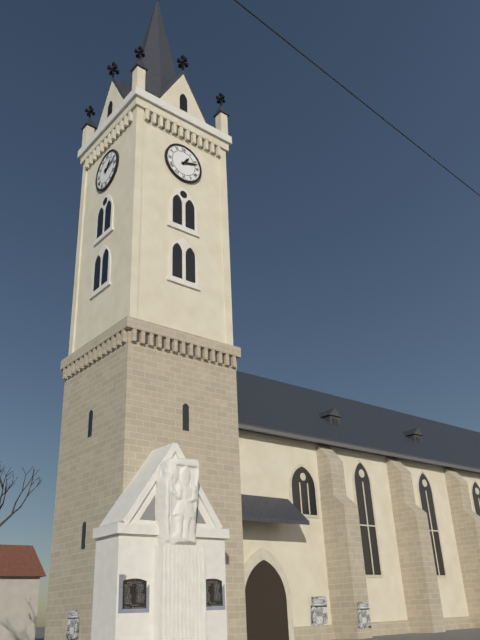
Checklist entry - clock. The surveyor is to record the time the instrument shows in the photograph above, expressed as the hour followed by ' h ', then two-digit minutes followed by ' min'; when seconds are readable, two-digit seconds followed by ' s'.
1 h 12 min
